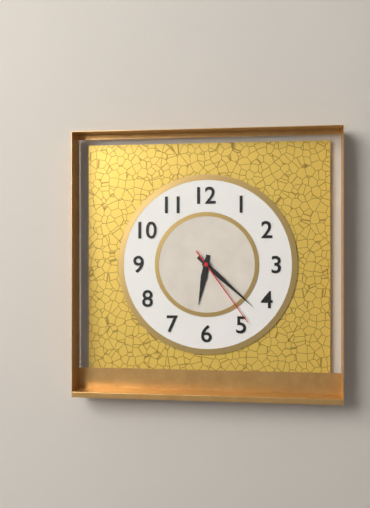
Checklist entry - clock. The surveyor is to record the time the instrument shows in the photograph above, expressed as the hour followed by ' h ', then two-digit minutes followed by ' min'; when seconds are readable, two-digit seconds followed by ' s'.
6 h 22 min 24 s
